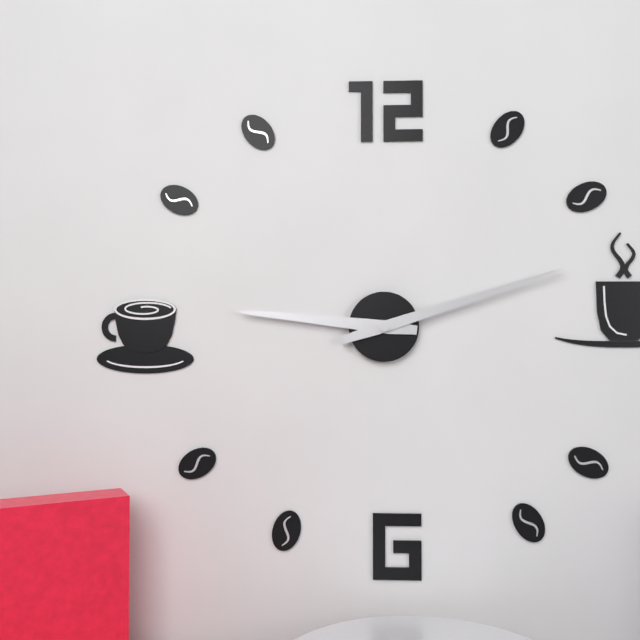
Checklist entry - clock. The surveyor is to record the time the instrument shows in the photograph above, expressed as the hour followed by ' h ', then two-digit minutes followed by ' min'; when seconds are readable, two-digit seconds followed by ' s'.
9 h 12 min
